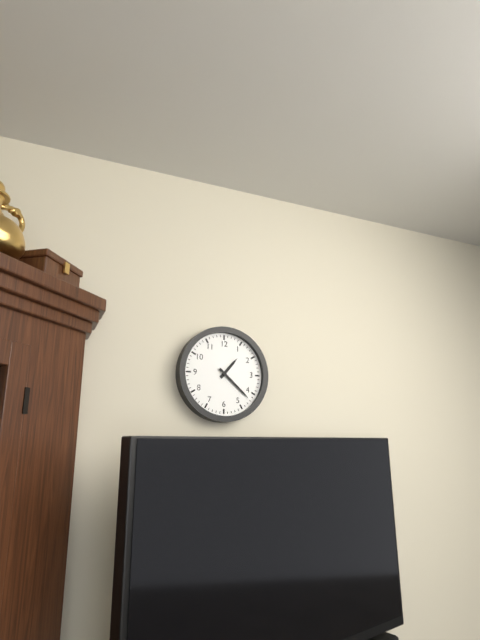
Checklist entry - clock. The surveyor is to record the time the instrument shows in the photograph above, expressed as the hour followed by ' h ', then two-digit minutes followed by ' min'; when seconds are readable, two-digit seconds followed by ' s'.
1 h 22 min
